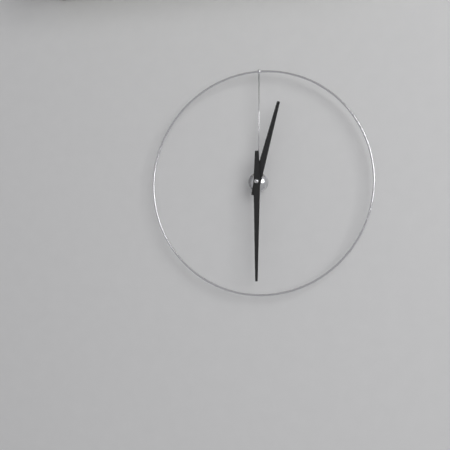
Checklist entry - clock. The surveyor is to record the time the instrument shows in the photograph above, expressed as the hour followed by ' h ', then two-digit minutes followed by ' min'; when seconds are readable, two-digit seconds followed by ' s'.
12 h 30 min
